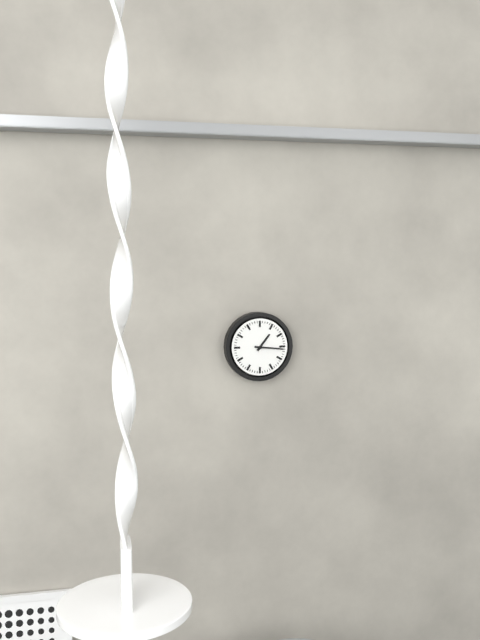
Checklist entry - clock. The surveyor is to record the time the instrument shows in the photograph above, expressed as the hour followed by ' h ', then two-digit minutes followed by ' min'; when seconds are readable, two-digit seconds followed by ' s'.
1 h 16 min
